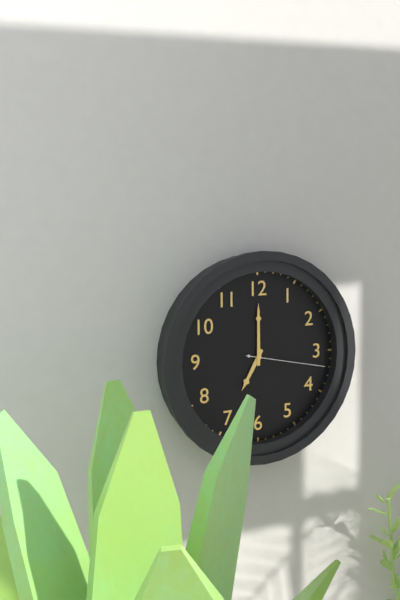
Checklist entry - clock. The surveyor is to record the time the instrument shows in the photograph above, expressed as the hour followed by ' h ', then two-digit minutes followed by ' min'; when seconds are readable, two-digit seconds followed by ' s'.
7 h 00 min 17 s
